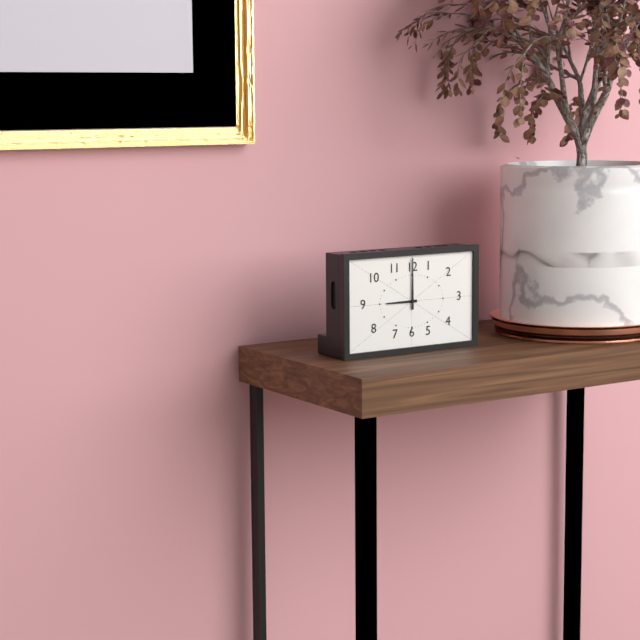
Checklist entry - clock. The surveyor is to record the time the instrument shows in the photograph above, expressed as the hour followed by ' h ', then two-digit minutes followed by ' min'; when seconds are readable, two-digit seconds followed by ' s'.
9 h 00 min
